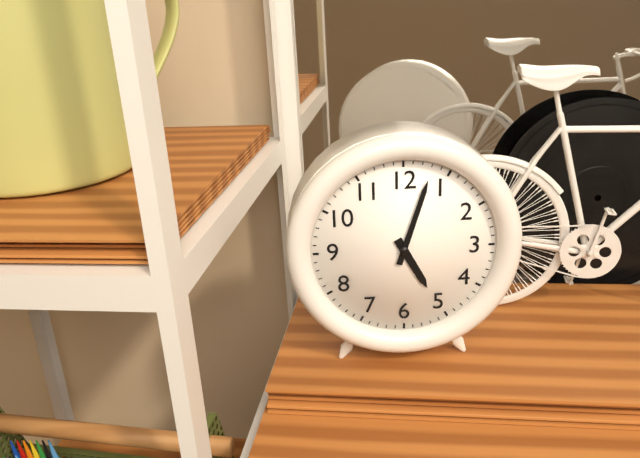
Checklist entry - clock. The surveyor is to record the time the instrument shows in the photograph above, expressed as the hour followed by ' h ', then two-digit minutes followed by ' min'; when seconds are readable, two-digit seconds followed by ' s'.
5 h 03 min
